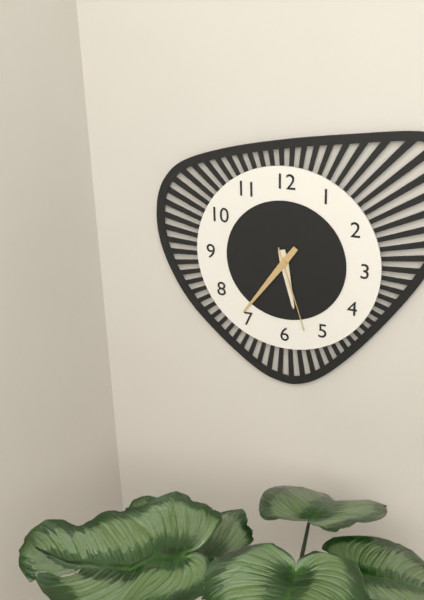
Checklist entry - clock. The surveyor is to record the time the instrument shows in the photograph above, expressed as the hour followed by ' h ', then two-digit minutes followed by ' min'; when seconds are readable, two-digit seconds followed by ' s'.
5 h 36 min 27 s
